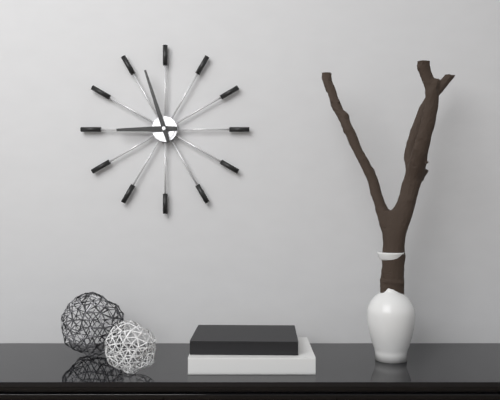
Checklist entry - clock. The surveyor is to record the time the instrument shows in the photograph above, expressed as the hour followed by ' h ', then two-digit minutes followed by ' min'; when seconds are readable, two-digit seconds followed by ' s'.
8 h 57 min
